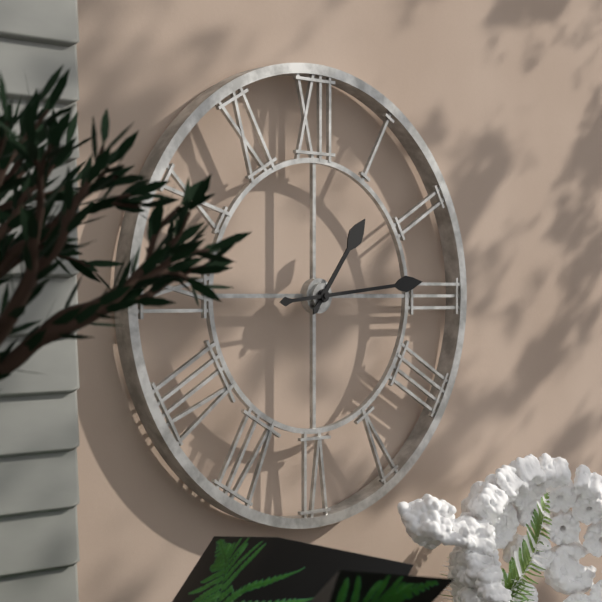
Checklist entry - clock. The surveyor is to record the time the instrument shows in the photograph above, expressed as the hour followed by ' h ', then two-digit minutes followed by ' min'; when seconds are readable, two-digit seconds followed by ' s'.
1 h 14 min
